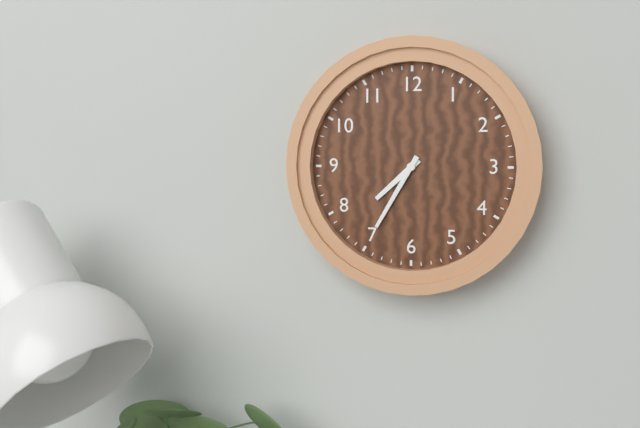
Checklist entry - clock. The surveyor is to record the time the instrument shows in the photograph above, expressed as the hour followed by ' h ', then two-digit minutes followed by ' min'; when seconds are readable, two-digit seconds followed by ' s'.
7 h 35 min
